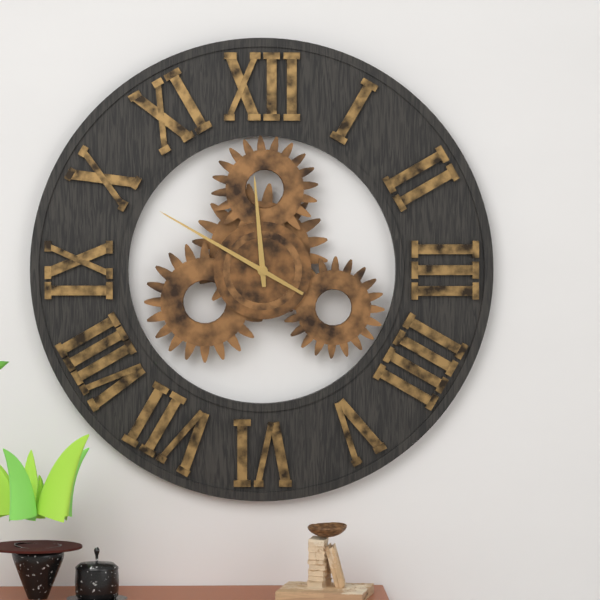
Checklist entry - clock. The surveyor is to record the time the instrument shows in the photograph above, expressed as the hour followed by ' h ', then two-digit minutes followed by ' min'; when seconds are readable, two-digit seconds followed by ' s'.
11 h 50 min
